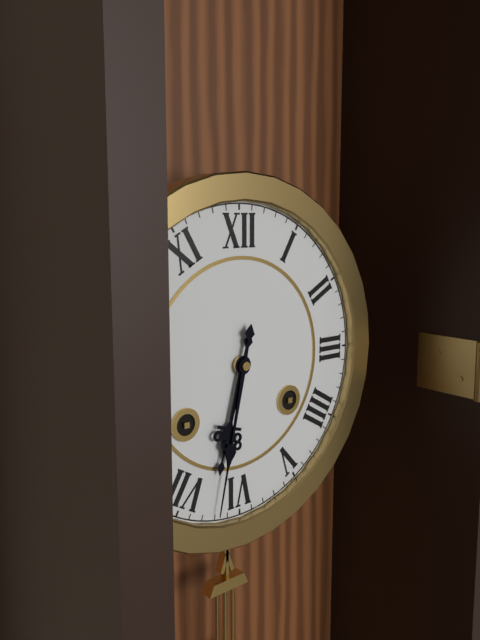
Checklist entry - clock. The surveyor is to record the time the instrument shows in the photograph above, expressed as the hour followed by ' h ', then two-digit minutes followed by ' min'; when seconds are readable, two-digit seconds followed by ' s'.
6 h 32 min
